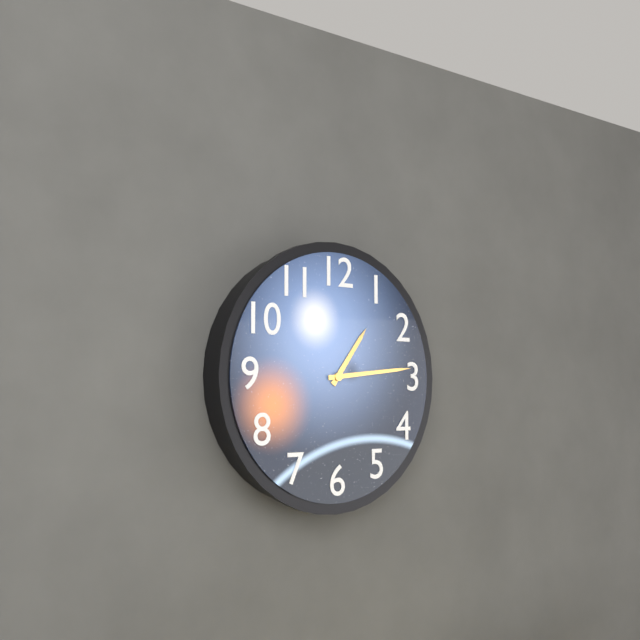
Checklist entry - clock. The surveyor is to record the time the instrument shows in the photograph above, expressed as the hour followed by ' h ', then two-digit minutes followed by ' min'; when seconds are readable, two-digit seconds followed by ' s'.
1 h 14 min
